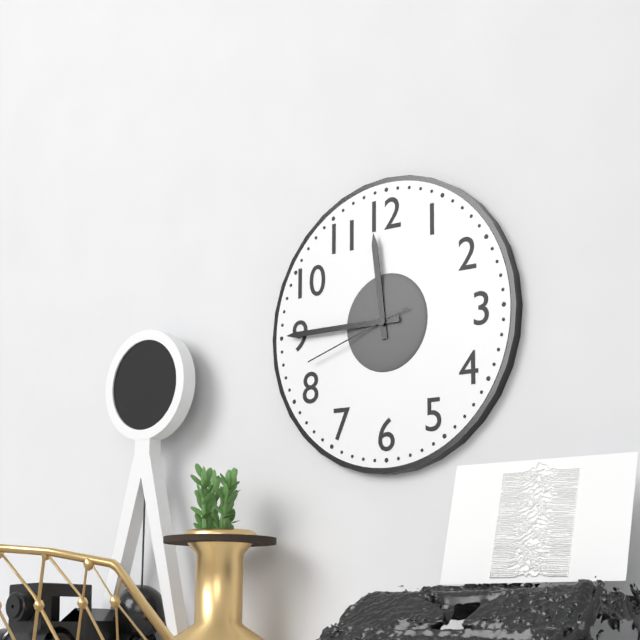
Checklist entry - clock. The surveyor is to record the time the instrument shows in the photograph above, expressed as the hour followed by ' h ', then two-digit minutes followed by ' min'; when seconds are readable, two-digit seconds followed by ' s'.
11 h 45 min 42 s
